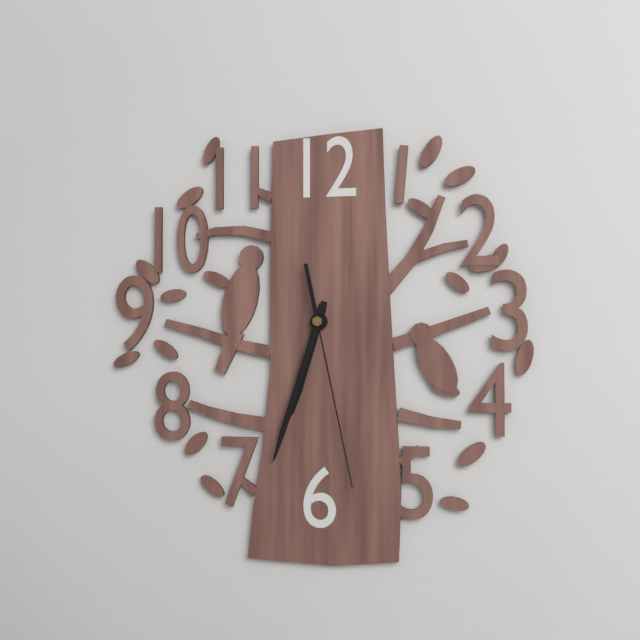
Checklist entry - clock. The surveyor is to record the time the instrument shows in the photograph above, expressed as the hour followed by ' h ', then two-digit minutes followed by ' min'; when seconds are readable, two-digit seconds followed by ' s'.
6 h 33 min 28 s
